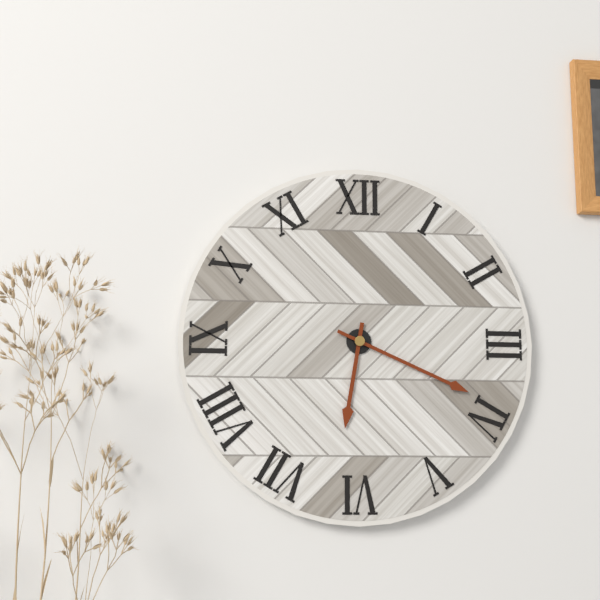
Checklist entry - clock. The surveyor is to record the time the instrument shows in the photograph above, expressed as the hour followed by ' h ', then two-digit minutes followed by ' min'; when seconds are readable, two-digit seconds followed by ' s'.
6 h 19 min
